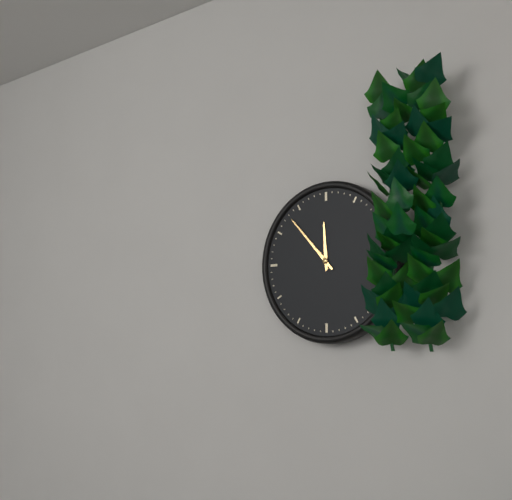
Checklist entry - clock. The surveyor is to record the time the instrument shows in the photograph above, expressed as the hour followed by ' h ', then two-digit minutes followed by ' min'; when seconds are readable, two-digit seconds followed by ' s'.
11 h 53 min
